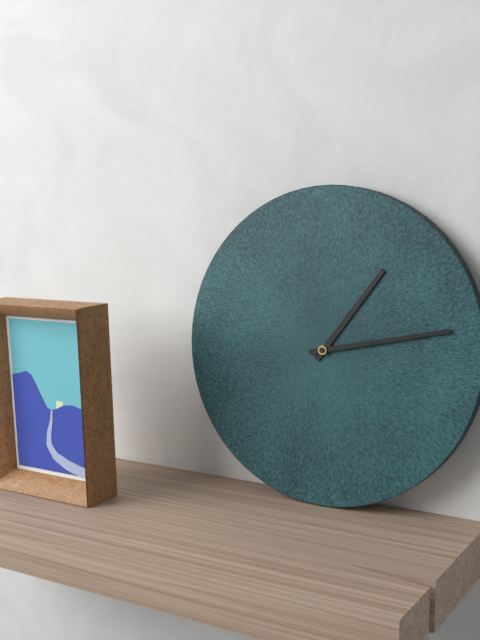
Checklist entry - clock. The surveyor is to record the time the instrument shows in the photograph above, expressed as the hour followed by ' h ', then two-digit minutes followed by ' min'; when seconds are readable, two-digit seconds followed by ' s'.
1 h 13 min
